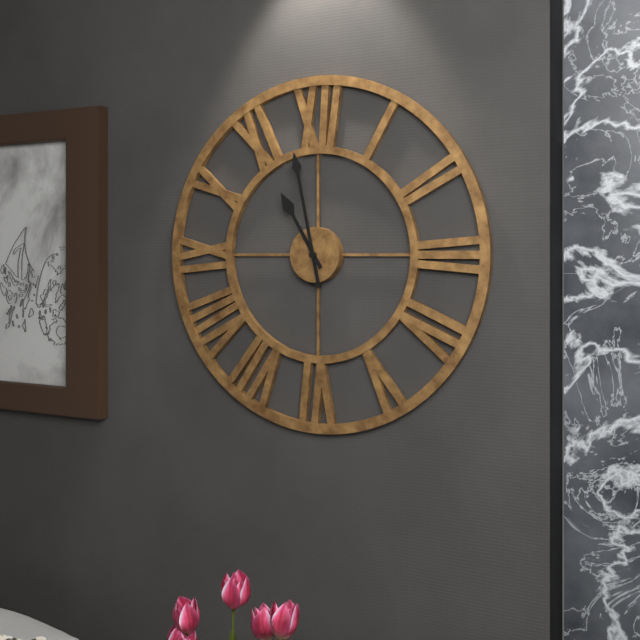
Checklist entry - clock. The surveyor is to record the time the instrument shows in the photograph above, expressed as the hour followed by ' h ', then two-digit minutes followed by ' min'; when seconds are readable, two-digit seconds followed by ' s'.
10 h 58 min
